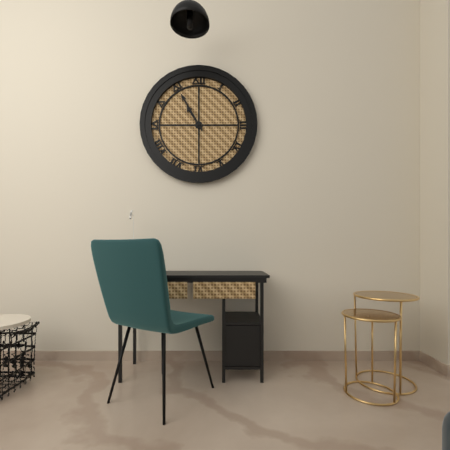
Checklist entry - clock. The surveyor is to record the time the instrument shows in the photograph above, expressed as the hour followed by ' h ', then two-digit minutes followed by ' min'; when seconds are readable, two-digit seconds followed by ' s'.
10 h 55 min
